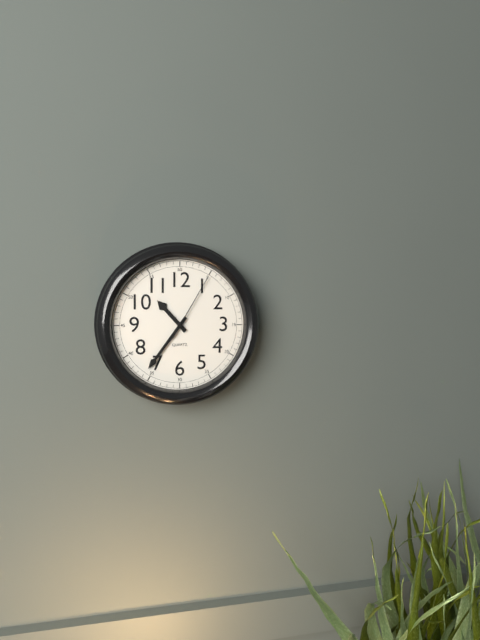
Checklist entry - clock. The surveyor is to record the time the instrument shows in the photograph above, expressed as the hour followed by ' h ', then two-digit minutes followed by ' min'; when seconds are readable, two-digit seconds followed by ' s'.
10 h 36 min 05 s
